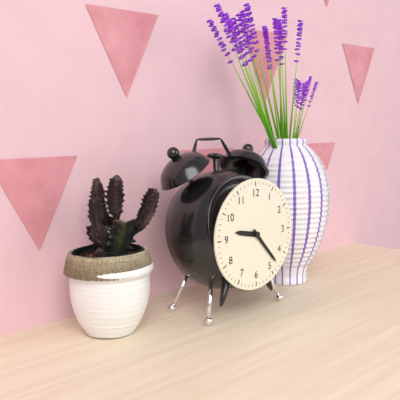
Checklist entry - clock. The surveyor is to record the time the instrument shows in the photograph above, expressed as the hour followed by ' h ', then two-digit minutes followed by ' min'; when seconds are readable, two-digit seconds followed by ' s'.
9 h 23 min
